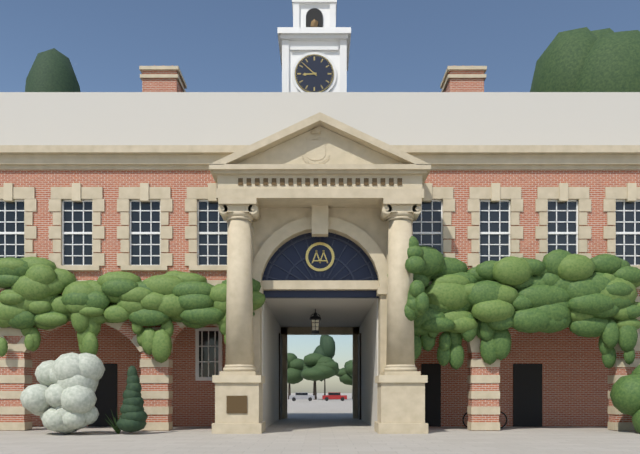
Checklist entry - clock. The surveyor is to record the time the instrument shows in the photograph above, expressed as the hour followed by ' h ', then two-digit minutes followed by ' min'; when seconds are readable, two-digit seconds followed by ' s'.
8 h 52 min
